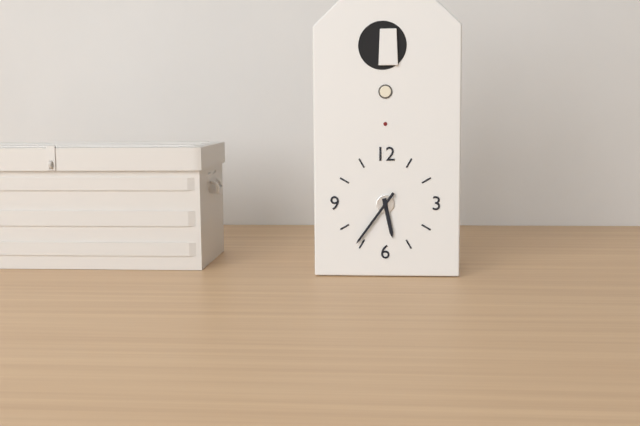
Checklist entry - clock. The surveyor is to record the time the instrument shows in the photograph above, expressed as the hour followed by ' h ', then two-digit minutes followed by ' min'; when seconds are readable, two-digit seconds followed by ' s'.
5 h 36 min
